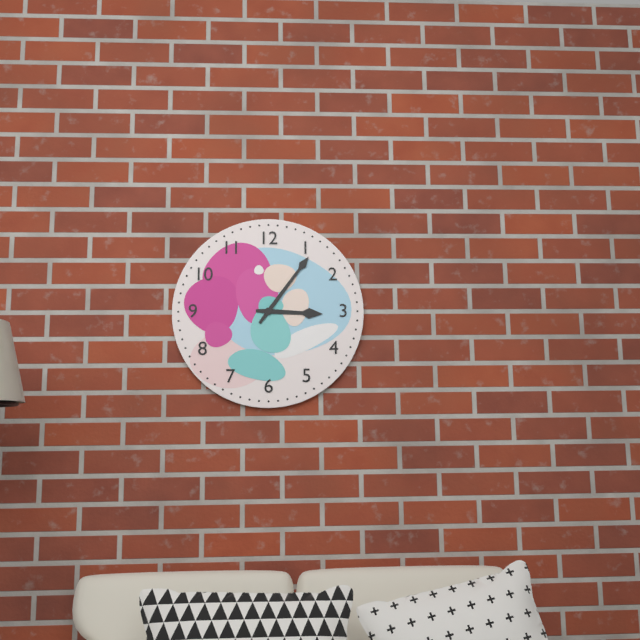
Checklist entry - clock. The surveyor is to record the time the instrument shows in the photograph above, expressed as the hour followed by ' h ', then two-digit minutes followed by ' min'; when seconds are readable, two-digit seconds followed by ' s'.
3 h 06 min
